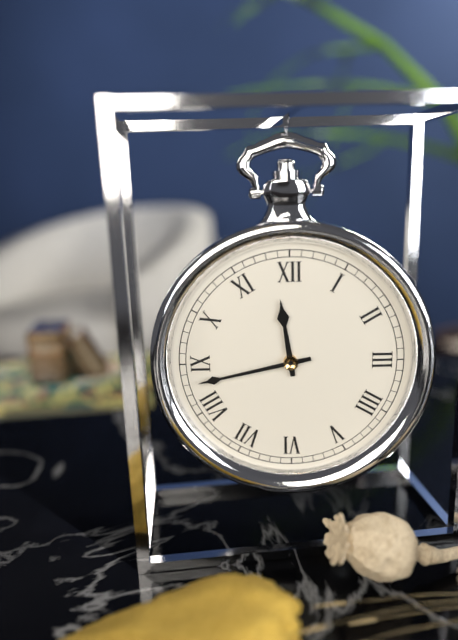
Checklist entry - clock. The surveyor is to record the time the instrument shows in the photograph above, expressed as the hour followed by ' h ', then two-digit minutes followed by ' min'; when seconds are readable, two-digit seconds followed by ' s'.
11 h 43 min
